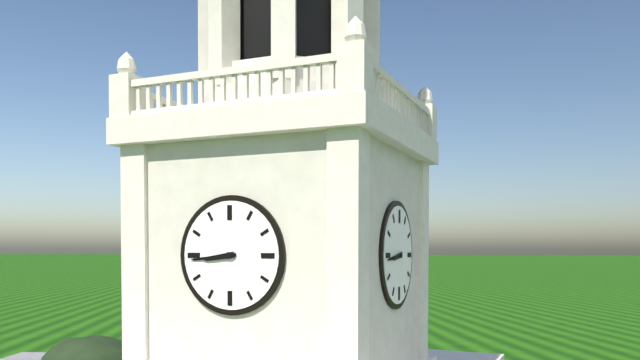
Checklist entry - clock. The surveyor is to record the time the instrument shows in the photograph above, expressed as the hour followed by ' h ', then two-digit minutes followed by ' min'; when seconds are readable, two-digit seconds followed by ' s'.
8 h 44 min
